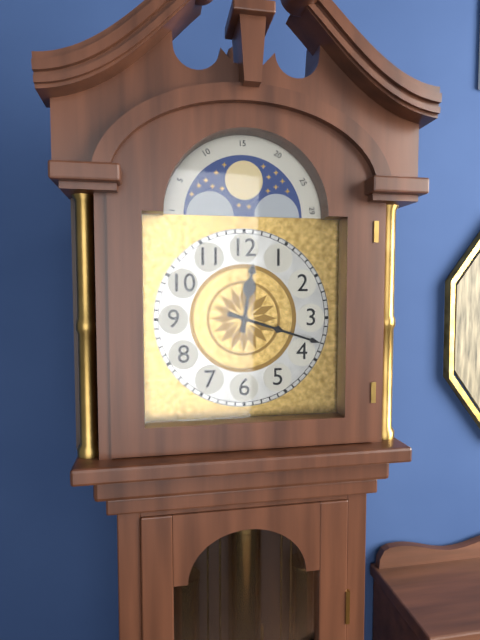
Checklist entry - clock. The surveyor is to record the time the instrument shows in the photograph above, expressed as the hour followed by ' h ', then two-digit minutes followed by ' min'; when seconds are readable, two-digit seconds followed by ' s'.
12 h 18 min
